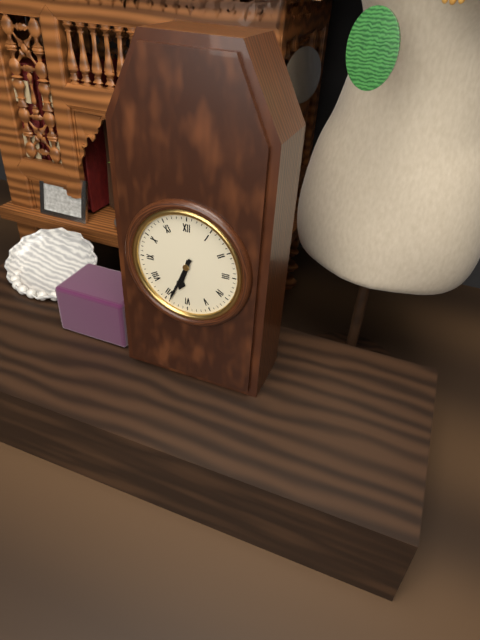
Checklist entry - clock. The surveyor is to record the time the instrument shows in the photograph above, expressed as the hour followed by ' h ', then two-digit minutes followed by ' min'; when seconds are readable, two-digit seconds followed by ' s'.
6 h 34 min
